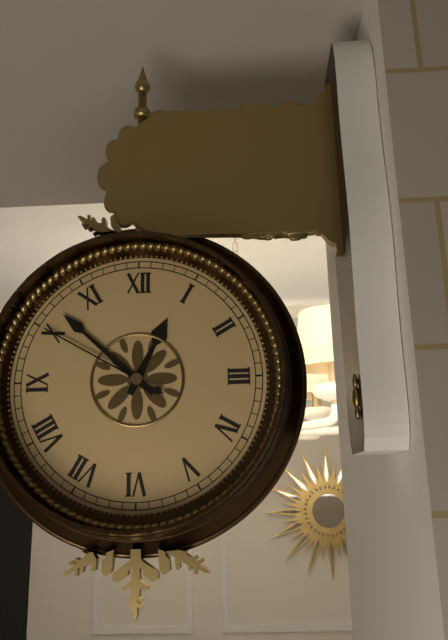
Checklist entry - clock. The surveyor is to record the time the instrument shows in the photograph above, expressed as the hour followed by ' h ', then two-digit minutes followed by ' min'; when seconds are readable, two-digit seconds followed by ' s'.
12 h 52 min 50 s
